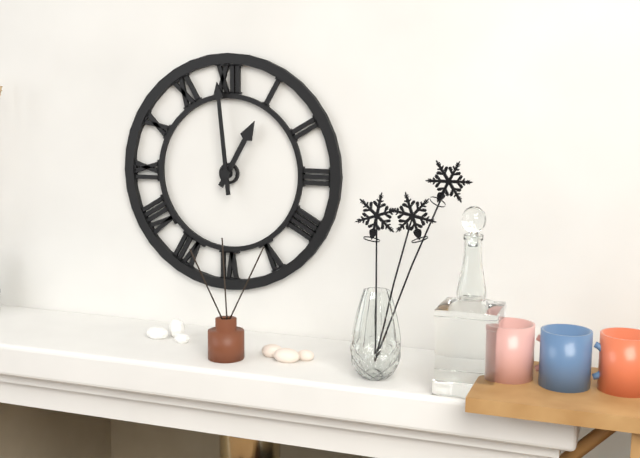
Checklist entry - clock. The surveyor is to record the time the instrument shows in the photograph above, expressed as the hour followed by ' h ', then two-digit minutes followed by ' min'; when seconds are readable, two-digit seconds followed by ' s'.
12 h 59 min
